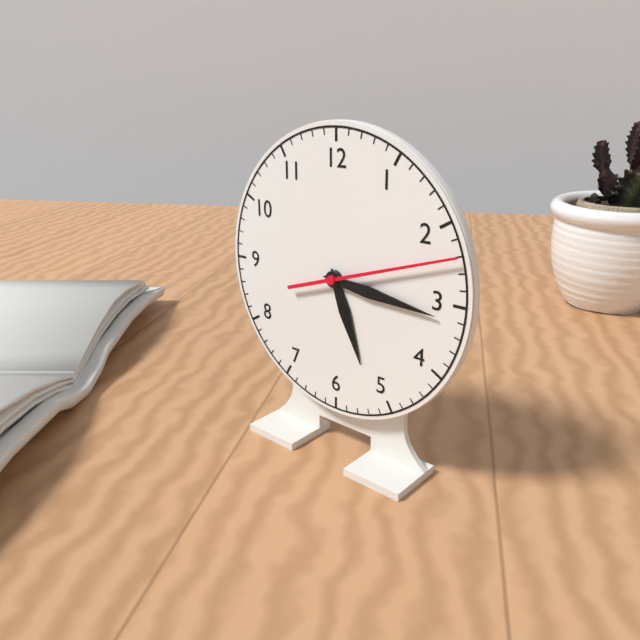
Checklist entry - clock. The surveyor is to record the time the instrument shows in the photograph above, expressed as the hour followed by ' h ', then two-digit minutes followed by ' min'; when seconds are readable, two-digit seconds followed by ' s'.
5 h 16 min 12 s
